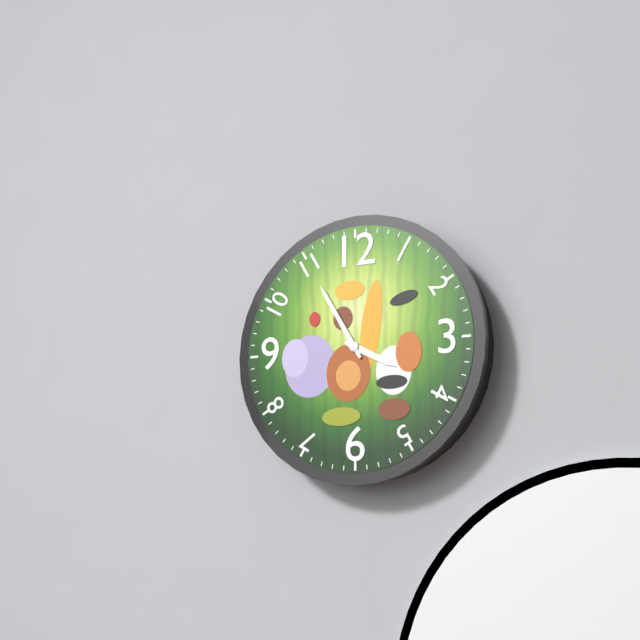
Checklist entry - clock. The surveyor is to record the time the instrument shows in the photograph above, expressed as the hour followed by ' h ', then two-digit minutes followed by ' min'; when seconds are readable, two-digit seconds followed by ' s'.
3 h 55 min
